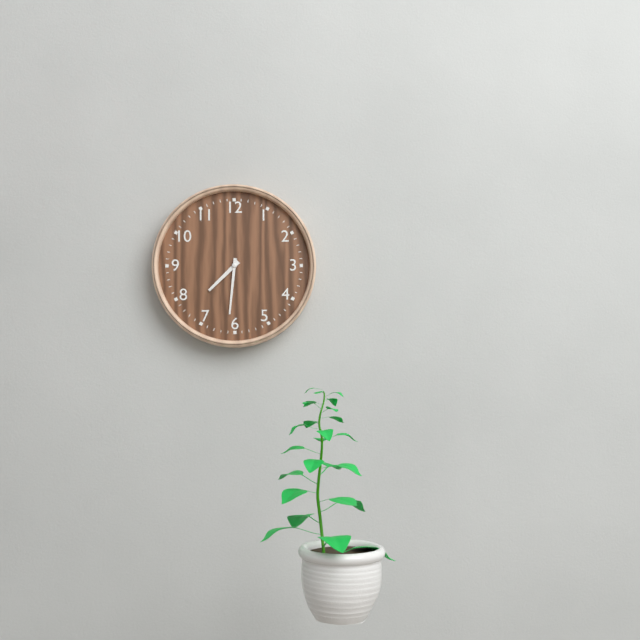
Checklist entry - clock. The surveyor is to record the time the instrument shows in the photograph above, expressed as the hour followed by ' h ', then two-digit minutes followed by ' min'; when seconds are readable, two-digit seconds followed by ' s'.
7 h 31 min
